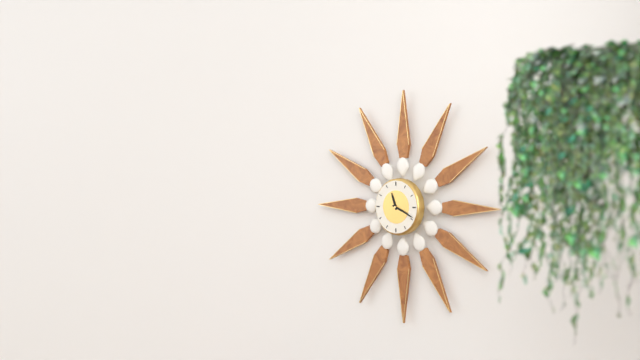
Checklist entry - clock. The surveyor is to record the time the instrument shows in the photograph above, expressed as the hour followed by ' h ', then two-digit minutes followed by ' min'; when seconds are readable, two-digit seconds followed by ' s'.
11 h 19 min
